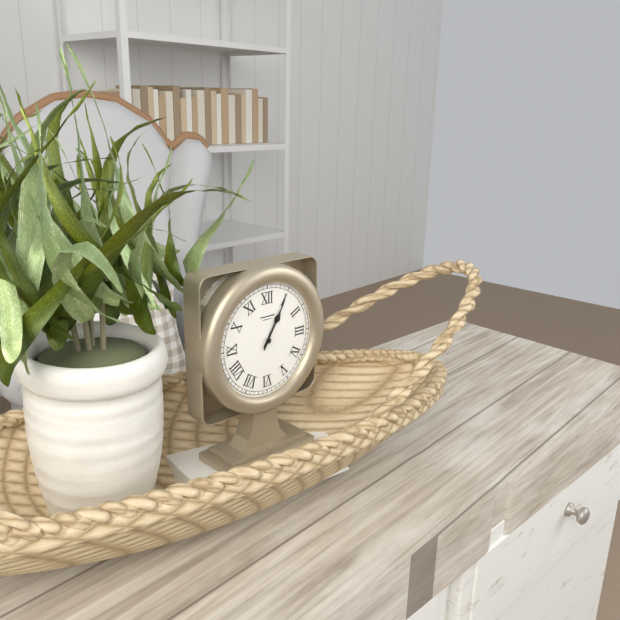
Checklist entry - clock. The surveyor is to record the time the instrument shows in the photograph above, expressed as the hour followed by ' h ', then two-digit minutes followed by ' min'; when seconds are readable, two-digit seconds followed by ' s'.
1 h 05 min
